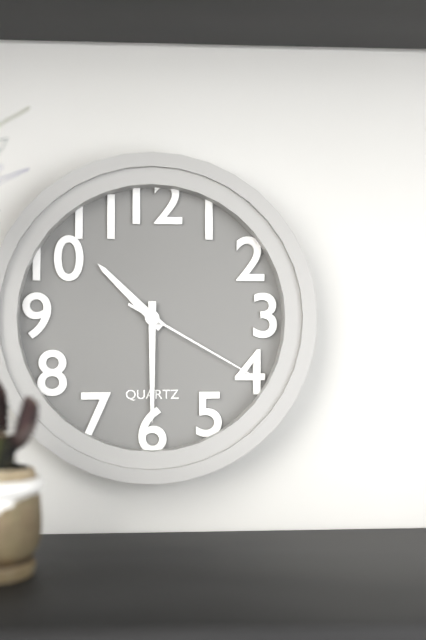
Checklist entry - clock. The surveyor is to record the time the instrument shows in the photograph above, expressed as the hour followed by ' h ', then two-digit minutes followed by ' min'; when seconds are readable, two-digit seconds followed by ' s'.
10 h 30 min 20 s
